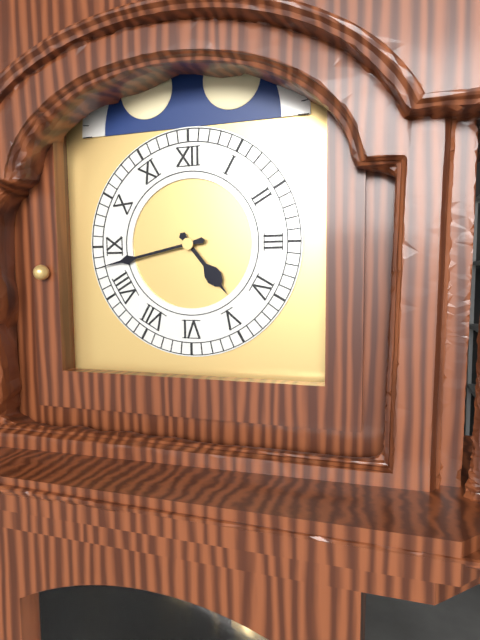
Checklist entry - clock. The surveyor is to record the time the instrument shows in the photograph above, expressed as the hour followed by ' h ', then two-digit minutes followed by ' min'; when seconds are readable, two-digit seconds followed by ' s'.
4 h 43 min
